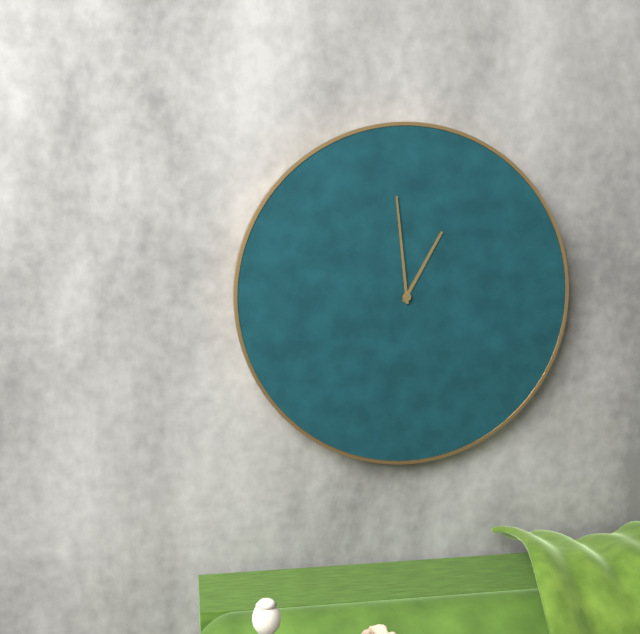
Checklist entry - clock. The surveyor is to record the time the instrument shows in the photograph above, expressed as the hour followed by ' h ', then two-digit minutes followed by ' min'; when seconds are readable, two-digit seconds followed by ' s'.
12 h 59 min
